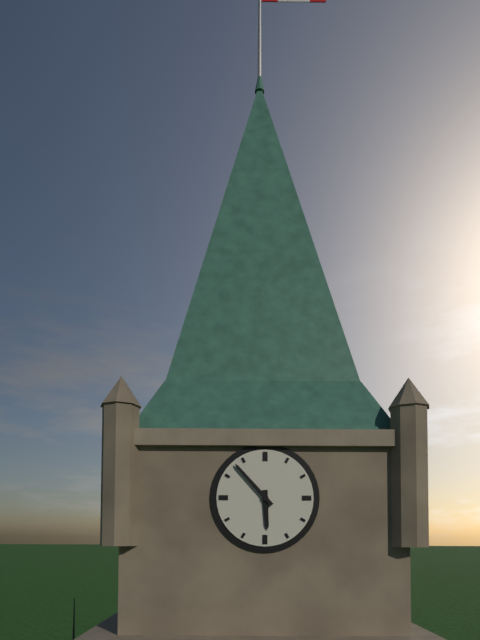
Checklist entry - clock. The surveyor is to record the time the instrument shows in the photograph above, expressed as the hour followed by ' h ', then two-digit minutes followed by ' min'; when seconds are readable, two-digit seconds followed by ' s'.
5 h 53 min
